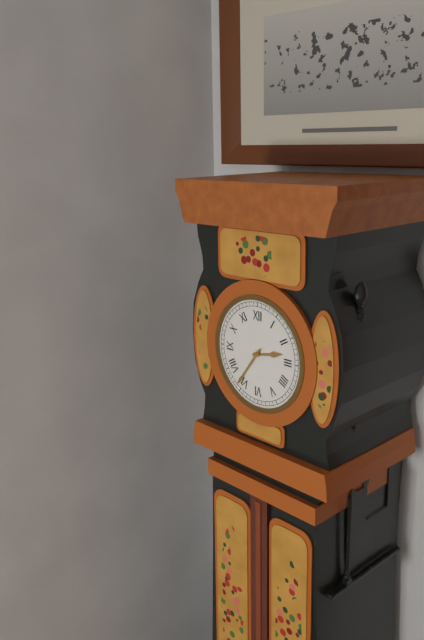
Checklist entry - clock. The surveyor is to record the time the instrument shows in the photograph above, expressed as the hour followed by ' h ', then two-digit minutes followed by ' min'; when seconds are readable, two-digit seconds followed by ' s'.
2 h 36 min
